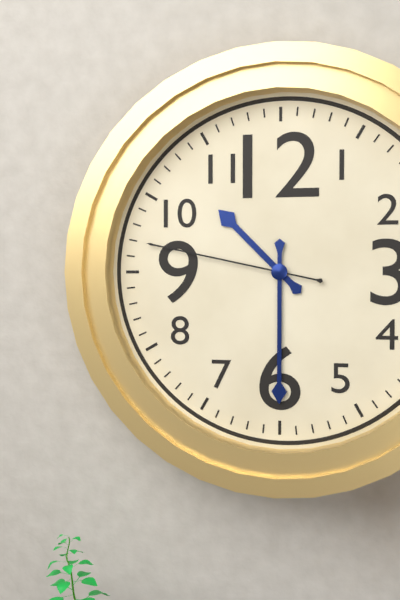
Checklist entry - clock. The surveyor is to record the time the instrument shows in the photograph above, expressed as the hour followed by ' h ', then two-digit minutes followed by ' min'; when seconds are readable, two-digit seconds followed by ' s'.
10 h 30 min 47 s
